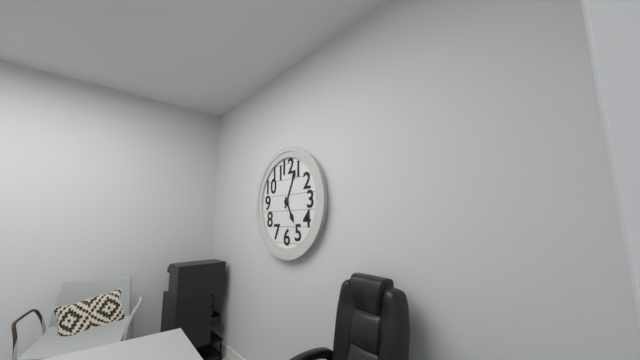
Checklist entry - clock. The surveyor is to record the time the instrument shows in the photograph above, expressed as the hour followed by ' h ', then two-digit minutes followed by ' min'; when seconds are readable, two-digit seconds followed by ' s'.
5 h 04 min
